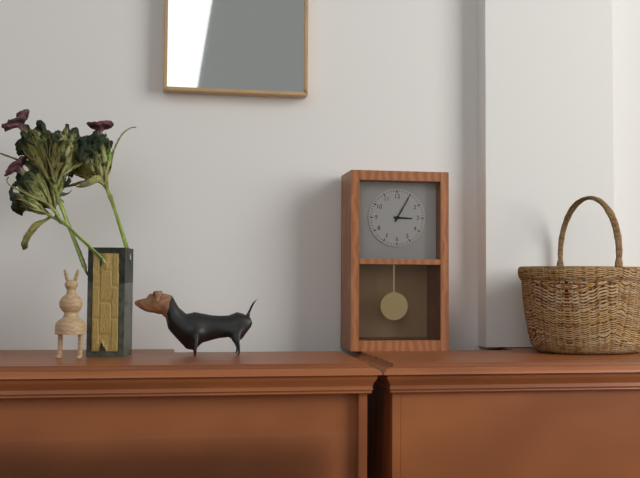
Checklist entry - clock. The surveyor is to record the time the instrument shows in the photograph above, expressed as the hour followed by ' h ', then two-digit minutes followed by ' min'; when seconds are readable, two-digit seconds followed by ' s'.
3 h 05 min
